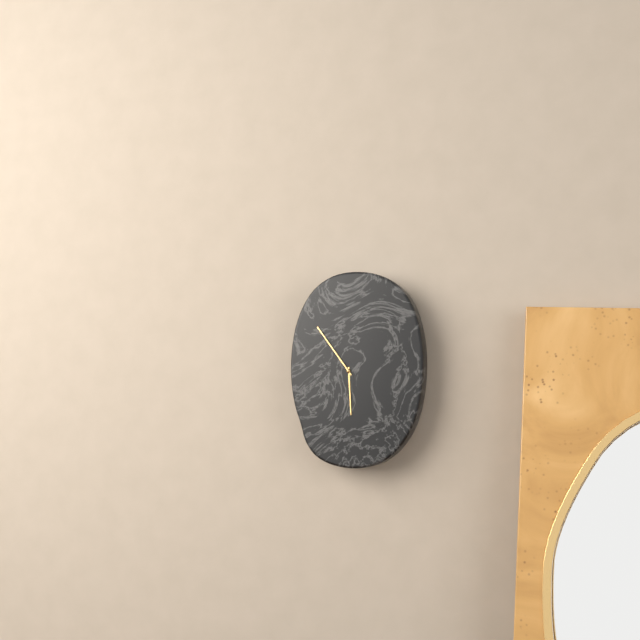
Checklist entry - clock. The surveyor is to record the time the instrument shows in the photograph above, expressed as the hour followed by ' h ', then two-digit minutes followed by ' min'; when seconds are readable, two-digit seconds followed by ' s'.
5 h 54 min
